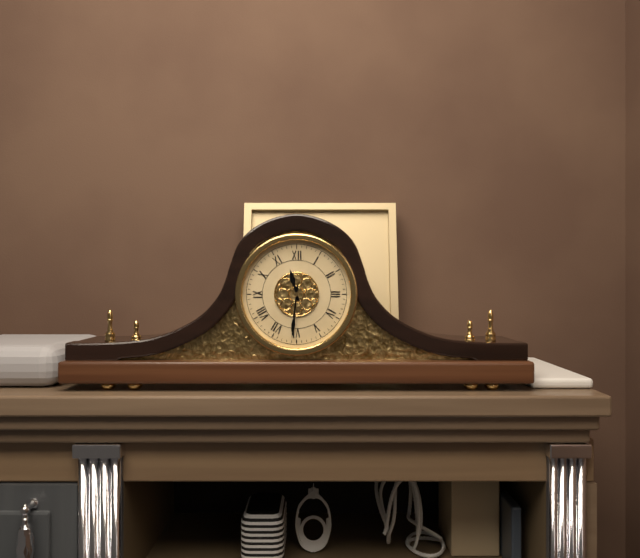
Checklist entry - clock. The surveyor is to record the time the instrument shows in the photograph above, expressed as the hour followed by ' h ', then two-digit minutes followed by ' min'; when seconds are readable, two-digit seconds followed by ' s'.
11 h 31 min
